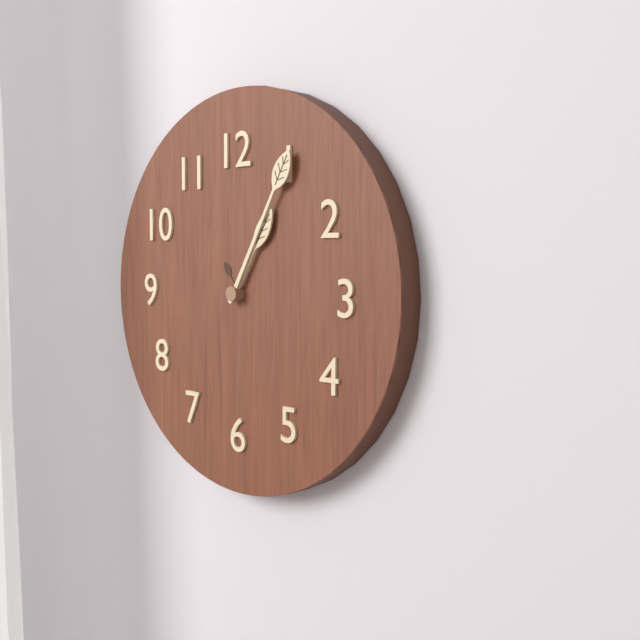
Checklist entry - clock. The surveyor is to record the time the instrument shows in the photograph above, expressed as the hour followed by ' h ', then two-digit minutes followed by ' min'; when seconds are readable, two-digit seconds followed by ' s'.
1 h 05 min
